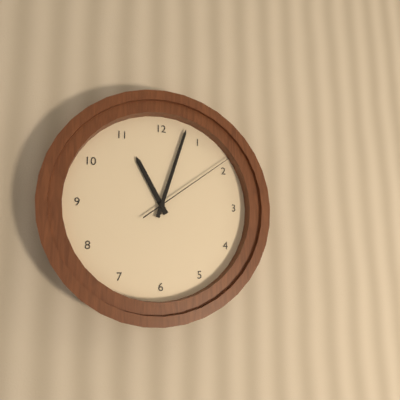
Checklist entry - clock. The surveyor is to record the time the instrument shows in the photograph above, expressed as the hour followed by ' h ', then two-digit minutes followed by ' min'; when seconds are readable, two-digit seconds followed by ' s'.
11 h 03 min 09 s
